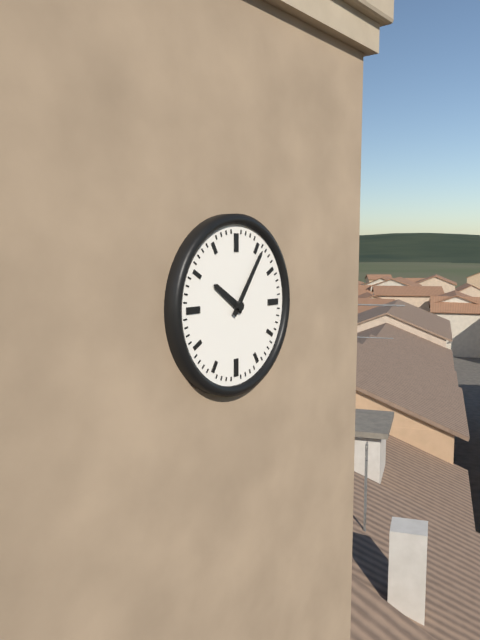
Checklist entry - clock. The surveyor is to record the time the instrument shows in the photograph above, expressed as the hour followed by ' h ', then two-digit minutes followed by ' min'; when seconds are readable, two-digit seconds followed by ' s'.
10 h 06 min
